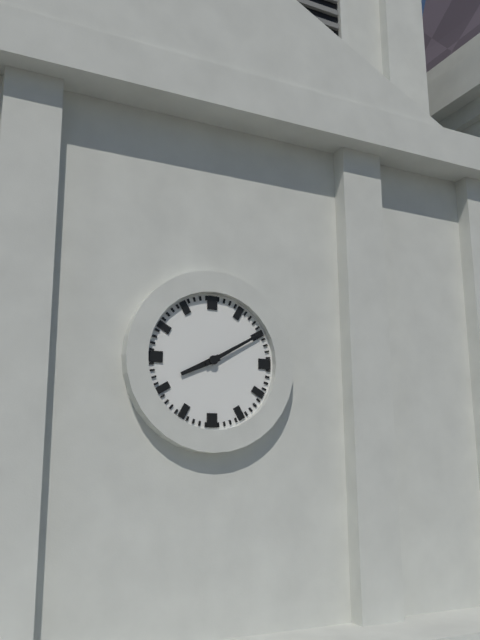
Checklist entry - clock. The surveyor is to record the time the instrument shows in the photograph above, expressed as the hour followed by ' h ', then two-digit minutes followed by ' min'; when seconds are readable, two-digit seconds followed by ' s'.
8 h 10 min
